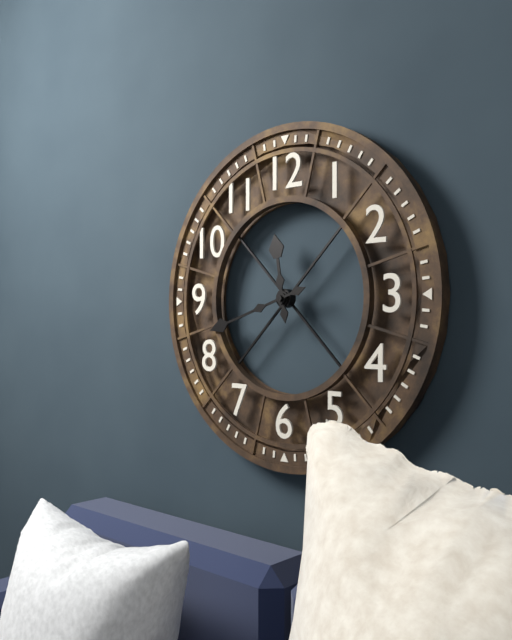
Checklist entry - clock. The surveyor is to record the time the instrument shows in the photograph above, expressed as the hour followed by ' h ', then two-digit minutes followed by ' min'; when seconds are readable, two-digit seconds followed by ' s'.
11 h 42 min
